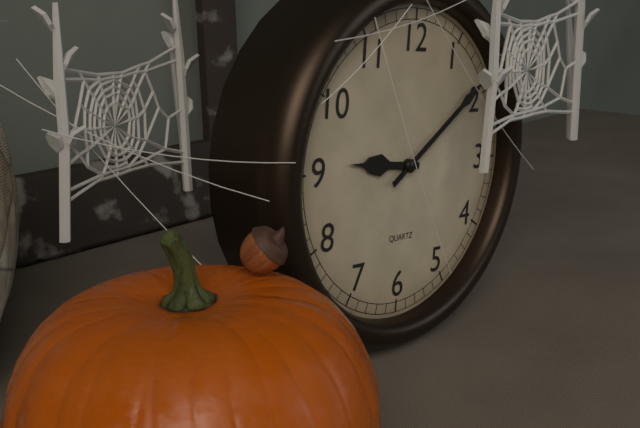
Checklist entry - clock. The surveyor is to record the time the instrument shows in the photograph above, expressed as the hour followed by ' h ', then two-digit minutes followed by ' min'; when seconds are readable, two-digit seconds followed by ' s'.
9 h 09 min
